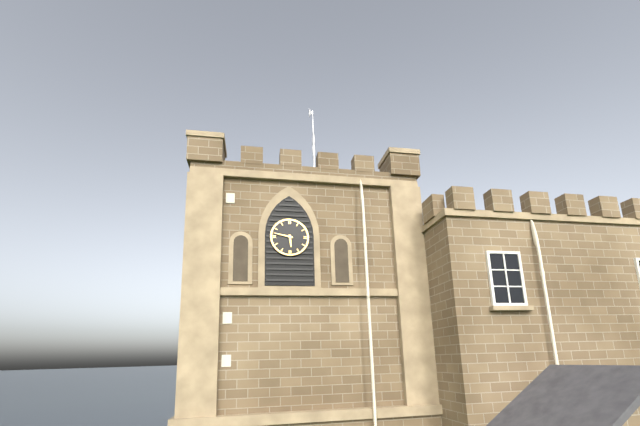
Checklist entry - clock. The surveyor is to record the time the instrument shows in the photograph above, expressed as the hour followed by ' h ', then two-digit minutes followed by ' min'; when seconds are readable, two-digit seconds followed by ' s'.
5 h 47 min
